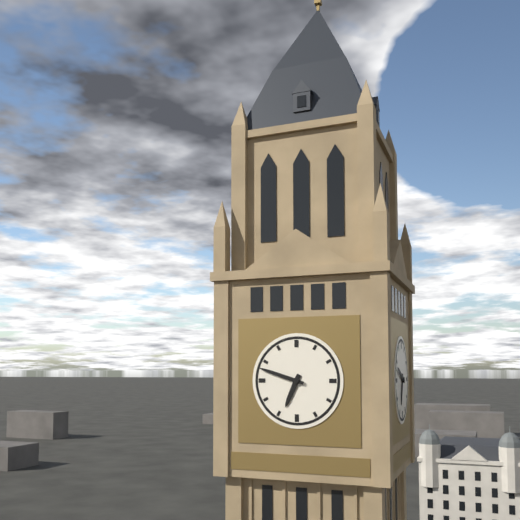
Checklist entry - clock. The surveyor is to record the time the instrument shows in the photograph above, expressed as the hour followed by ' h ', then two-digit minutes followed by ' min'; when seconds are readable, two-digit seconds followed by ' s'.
6 h 48 min
